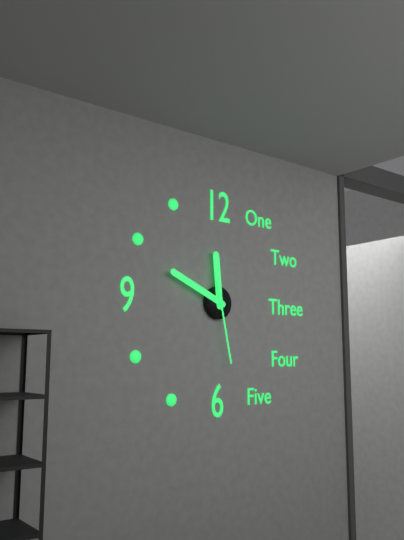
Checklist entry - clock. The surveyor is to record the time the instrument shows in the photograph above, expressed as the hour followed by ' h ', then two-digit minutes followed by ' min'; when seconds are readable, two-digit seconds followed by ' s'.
11 h 49 min 28 s
